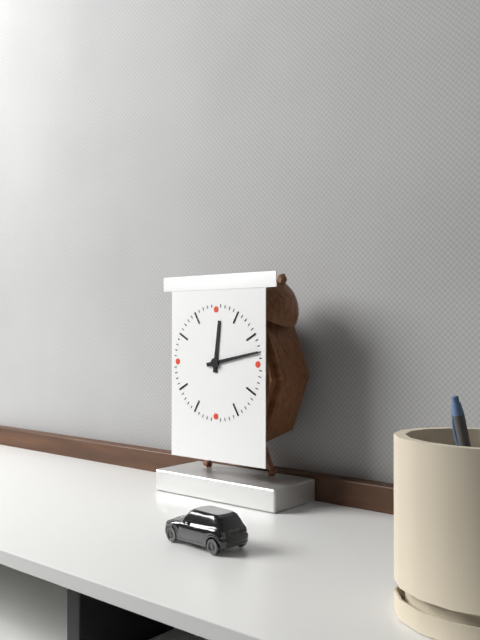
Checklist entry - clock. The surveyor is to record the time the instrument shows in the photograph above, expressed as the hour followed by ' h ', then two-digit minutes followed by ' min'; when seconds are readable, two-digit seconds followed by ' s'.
12 h 13 min
